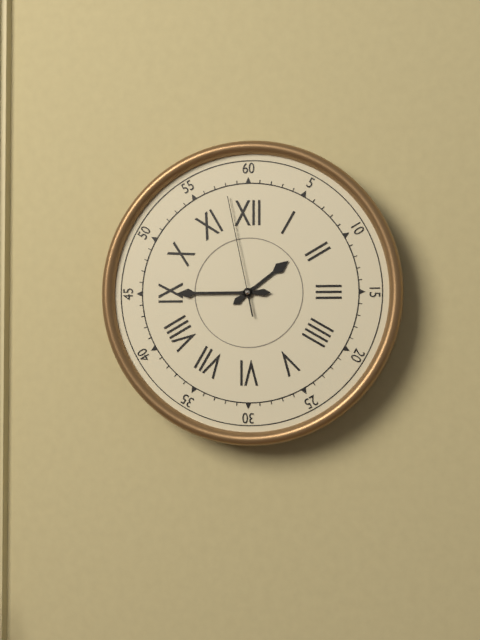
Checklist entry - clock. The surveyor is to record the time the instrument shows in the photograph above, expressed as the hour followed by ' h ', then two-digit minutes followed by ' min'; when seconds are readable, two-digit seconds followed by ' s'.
1 h 45 min 58 s
